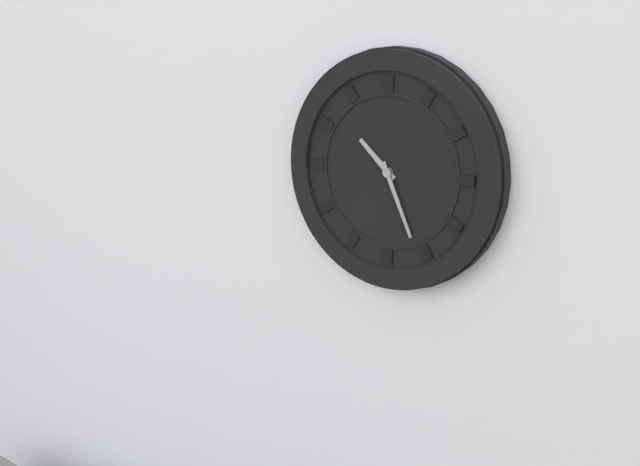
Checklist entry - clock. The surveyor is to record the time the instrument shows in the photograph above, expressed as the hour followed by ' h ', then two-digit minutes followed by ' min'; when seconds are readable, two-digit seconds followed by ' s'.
10 h 26 min
